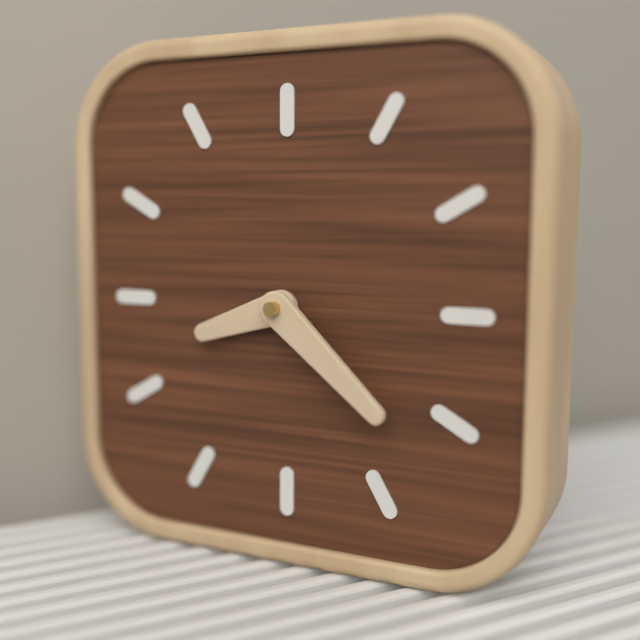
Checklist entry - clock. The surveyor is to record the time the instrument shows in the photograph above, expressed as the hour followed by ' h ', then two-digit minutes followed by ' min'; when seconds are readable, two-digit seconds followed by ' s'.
8 h 22 min
